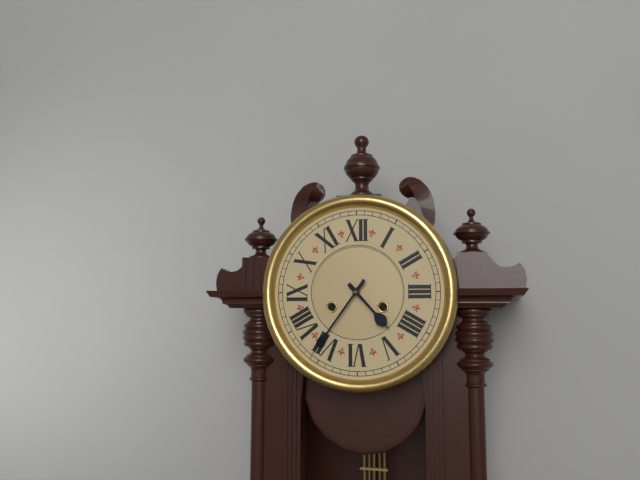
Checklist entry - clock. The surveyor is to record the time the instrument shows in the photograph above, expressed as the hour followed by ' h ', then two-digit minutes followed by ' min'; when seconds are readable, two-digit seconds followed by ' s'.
4 h 36 min
